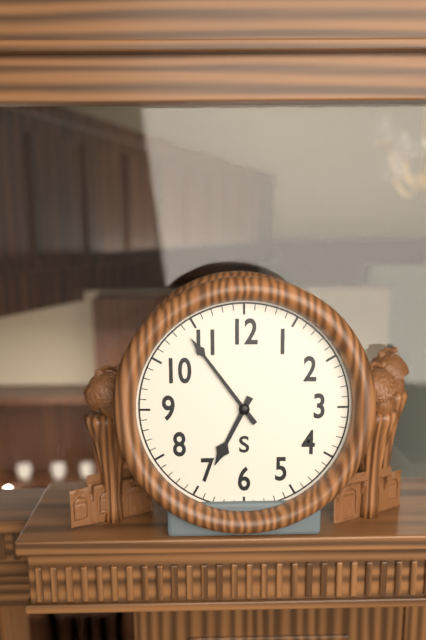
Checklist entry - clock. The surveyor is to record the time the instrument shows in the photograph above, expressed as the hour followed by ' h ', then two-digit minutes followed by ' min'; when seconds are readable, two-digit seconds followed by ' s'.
6 h 54 min
